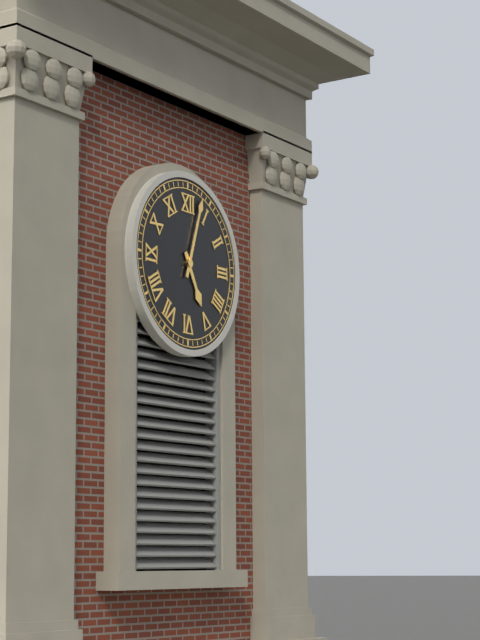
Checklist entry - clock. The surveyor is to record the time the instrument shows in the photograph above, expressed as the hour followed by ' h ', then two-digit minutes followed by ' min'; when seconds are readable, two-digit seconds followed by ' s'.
5 h 03 min
